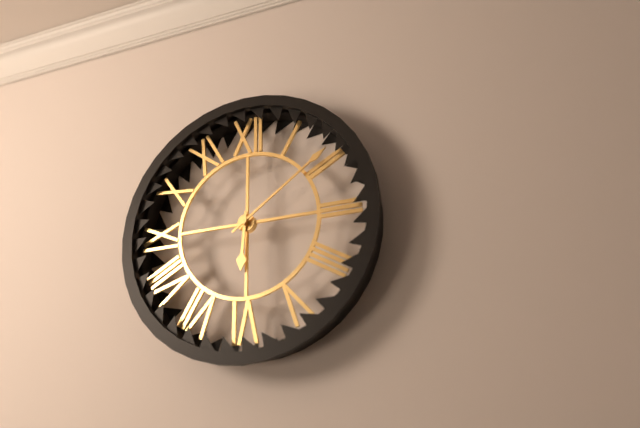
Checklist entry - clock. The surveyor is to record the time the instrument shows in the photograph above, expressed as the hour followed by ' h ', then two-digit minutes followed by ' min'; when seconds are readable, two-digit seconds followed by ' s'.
6 h 09 min
